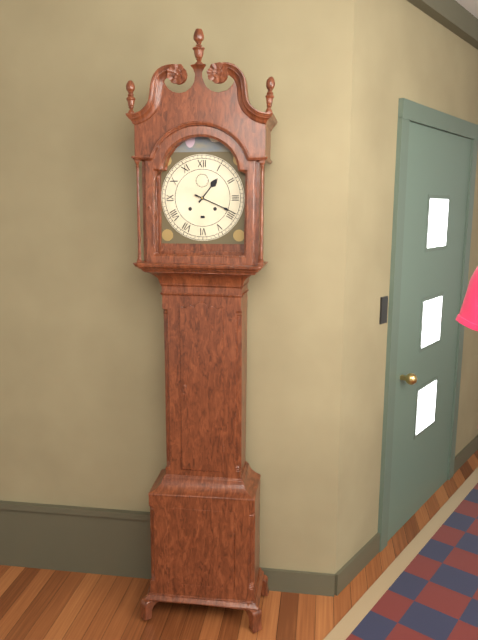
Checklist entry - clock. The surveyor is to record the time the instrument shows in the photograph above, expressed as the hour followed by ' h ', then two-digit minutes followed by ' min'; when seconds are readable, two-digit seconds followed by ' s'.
1 h 19 min
